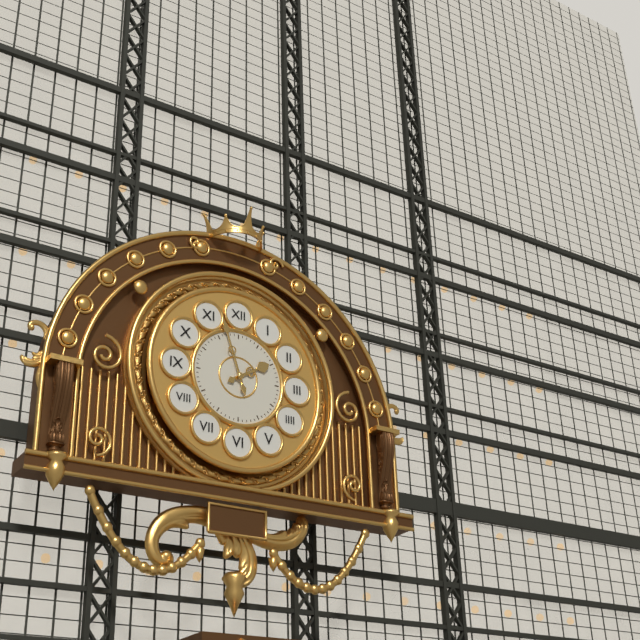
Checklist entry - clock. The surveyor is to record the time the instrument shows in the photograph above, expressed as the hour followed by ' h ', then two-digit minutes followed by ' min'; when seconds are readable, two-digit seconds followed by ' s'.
1 h 57 min
